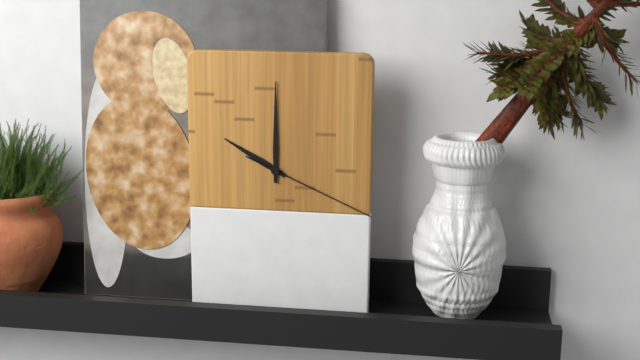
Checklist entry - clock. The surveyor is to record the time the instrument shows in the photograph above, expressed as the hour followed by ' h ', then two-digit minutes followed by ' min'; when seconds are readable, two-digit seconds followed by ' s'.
10 h 00 min 19 s
